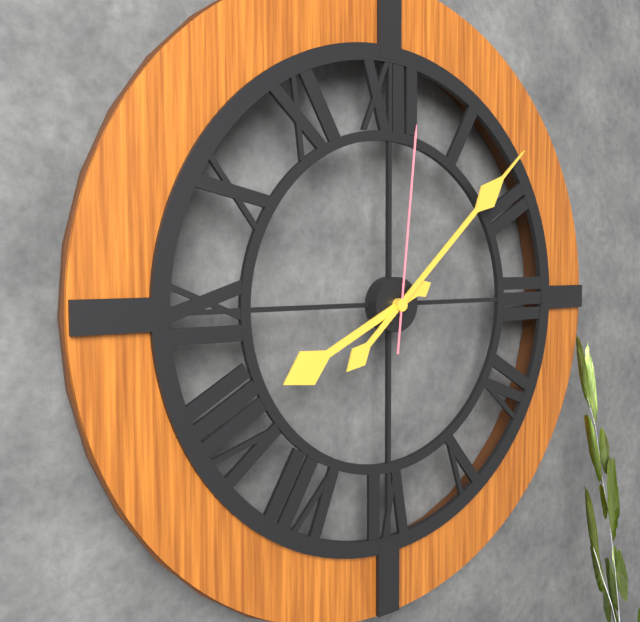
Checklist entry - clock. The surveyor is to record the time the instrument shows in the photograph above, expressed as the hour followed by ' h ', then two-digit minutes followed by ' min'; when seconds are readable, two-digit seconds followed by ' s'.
8 h 08 min 01 s
